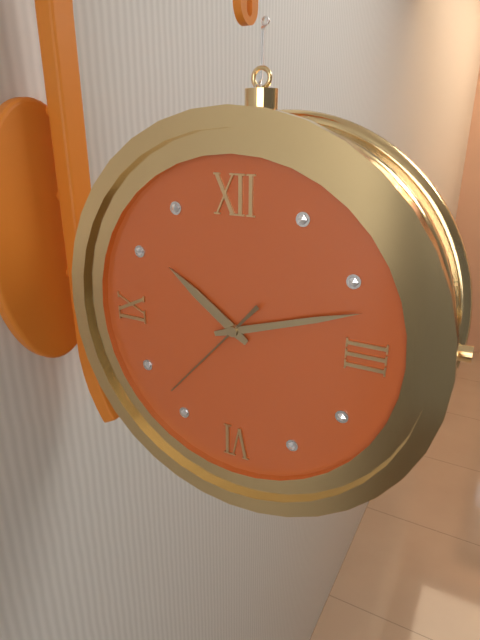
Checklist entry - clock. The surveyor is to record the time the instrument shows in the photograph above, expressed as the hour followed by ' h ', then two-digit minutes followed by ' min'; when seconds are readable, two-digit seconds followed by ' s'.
10 h 12 min 37 s
